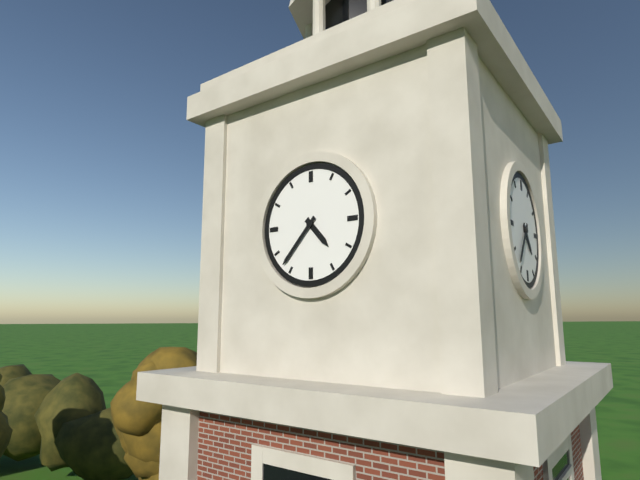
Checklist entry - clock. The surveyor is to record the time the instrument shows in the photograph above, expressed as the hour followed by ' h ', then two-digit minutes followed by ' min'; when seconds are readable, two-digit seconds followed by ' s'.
4 h 37 min
